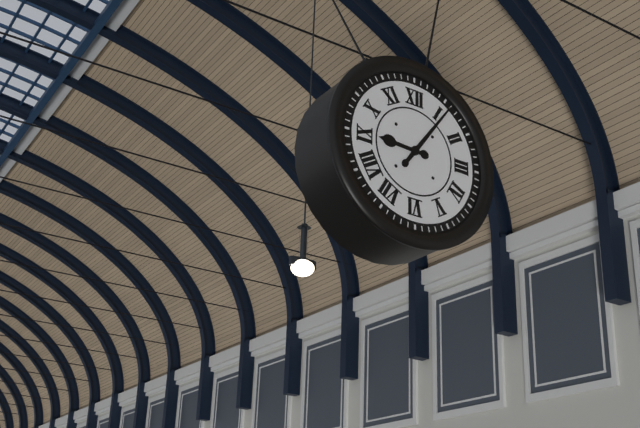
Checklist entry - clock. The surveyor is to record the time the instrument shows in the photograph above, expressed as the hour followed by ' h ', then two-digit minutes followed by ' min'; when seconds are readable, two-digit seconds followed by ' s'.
9 h 06 min
